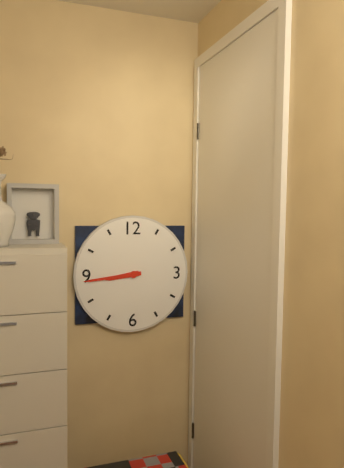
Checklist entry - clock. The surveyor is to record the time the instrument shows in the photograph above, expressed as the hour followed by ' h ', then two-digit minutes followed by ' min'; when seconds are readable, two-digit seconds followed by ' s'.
8 h 44 min
